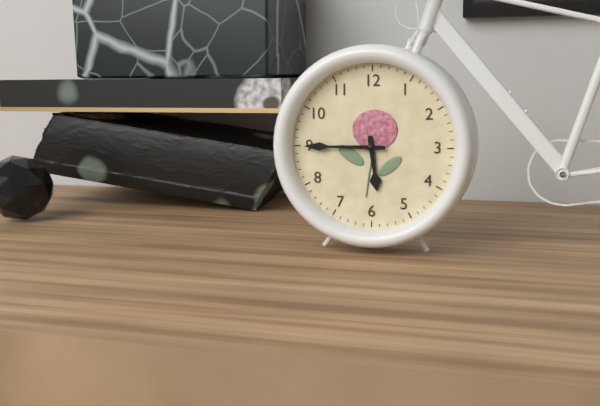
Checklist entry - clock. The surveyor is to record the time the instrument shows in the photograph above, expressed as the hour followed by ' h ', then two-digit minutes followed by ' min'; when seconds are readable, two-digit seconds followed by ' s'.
5 h 45 min
